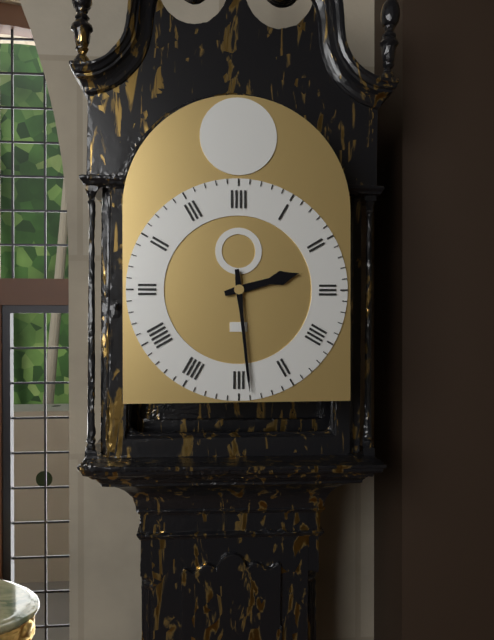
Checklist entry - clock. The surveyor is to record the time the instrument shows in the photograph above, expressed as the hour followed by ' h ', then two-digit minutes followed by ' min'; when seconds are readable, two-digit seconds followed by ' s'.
2 h 29 min
